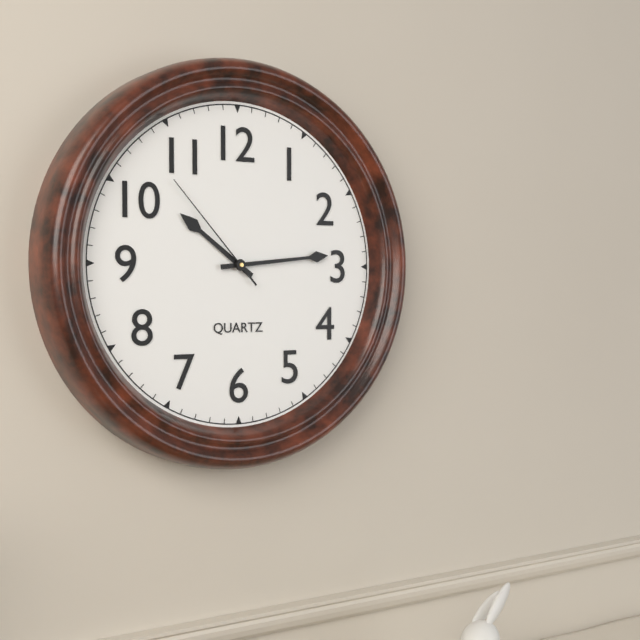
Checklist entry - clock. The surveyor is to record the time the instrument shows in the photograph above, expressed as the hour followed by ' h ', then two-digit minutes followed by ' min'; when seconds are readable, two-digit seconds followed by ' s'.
10 h 14 min 53 s
